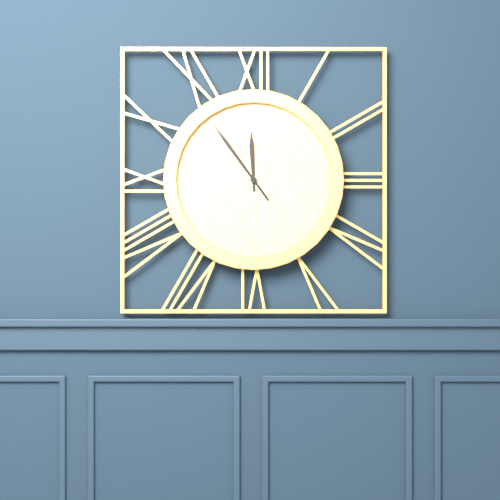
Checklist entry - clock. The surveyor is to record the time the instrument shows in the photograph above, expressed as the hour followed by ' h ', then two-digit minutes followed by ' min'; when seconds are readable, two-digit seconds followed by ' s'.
11 h 54 min
